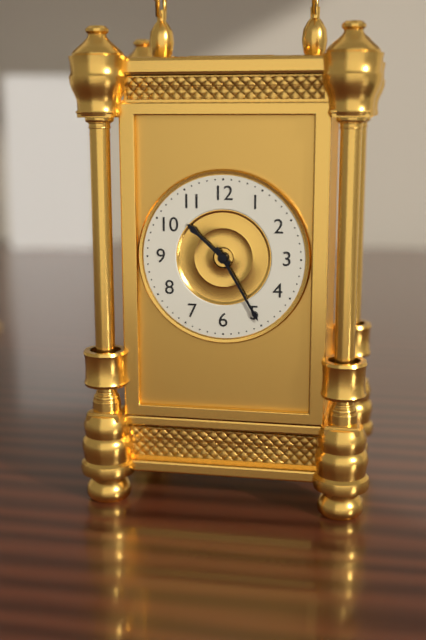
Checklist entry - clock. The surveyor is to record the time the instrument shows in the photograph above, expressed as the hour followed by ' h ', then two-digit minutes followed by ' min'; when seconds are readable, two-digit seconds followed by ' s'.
10 h 25 min
